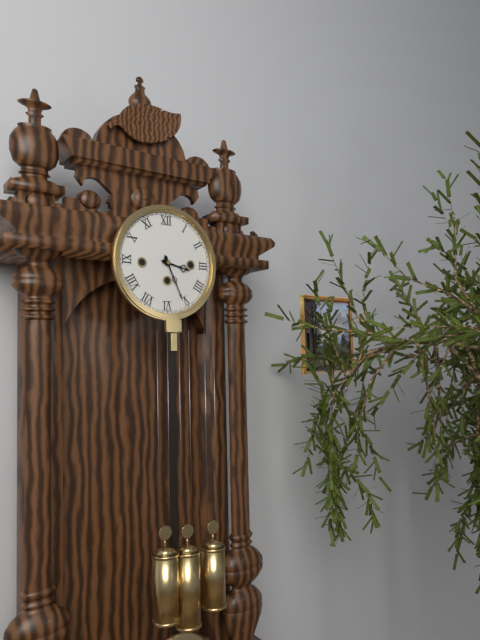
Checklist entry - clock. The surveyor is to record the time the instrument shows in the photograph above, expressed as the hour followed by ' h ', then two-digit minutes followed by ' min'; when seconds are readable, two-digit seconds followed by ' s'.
3 h 26 min
